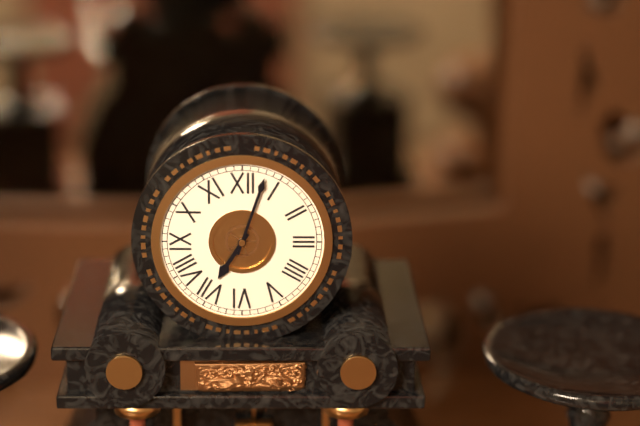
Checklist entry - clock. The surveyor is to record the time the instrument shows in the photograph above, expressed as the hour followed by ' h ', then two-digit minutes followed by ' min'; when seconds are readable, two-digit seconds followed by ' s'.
7 h 03 min
